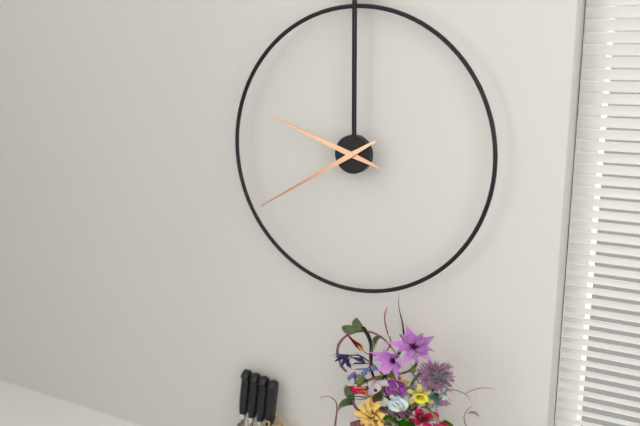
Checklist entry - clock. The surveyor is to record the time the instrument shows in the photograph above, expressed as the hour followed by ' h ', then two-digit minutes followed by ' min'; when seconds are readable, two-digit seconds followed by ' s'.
9 h 40 min
